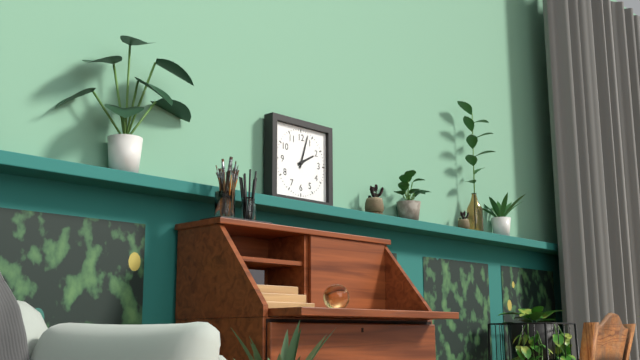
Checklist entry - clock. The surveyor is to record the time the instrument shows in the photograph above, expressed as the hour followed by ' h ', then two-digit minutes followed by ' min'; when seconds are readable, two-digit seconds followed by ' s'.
2 h 03 min
